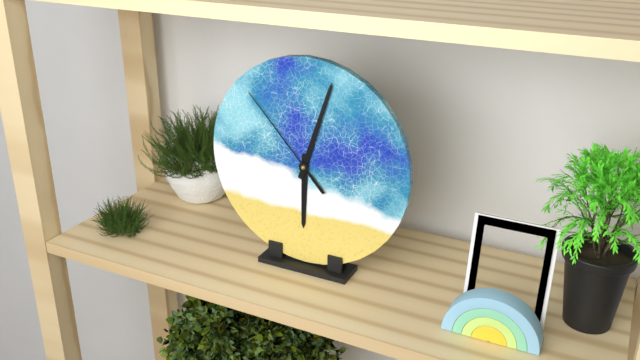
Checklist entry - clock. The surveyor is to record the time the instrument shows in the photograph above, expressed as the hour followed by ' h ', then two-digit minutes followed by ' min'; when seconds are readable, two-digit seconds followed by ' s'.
6 h 03 min 53 s
